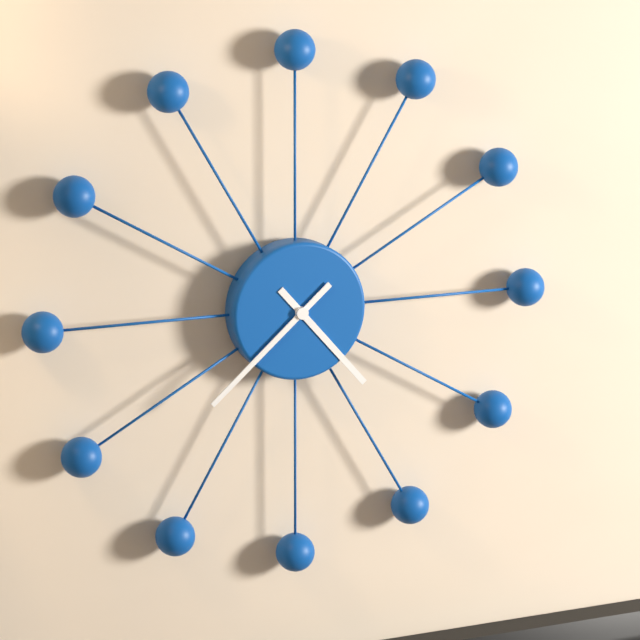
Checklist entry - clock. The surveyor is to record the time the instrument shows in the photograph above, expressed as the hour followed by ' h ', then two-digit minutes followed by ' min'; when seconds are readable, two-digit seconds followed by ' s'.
4 h 38 min
